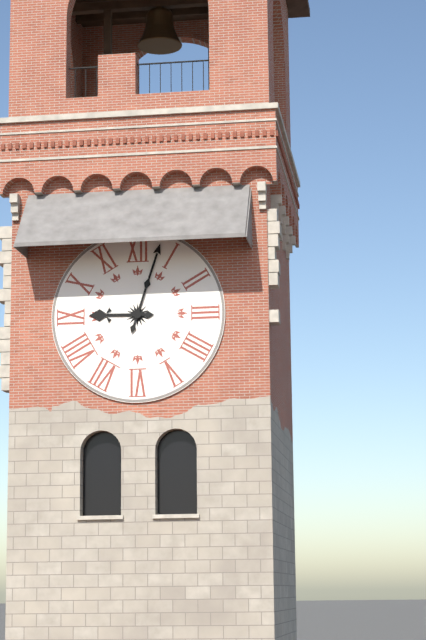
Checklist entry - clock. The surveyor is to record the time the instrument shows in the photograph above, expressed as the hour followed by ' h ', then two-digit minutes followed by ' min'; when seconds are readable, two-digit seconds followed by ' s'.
9 h 03 min
